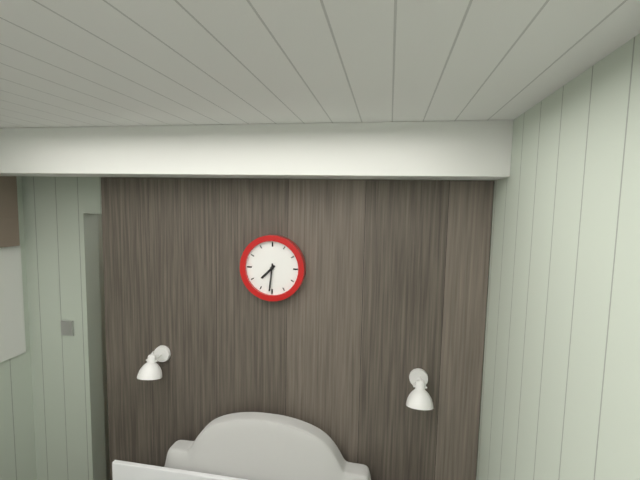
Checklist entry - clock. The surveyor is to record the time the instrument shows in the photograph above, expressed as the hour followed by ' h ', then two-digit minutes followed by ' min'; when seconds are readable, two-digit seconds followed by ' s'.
7 h 31 min
